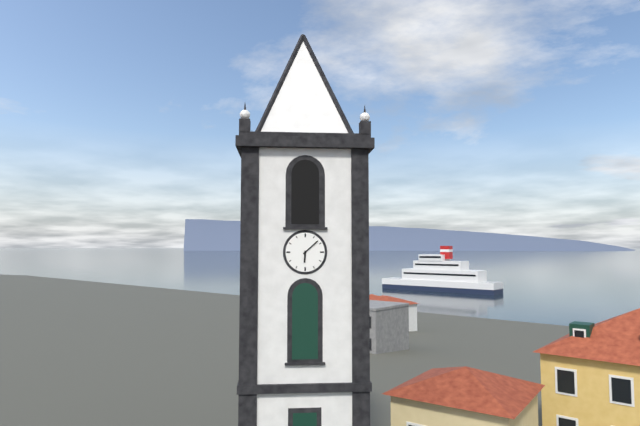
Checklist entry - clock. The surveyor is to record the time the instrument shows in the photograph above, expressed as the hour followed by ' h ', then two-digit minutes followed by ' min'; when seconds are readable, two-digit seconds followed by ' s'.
6 h 08 min
